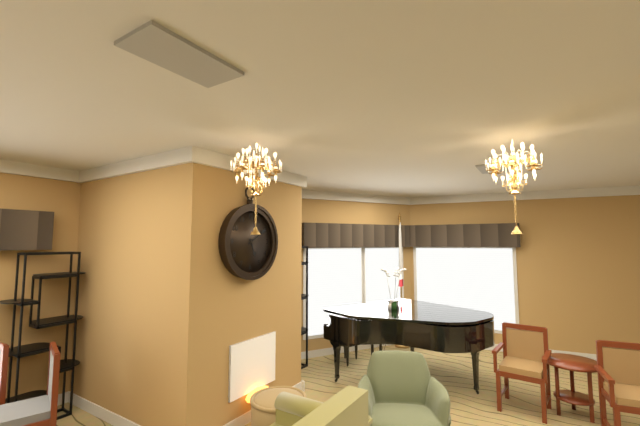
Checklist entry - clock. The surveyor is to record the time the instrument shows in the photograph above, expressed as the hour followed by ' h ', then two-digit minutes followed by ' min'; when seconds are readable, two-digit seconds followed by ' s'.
5 h 10 min
